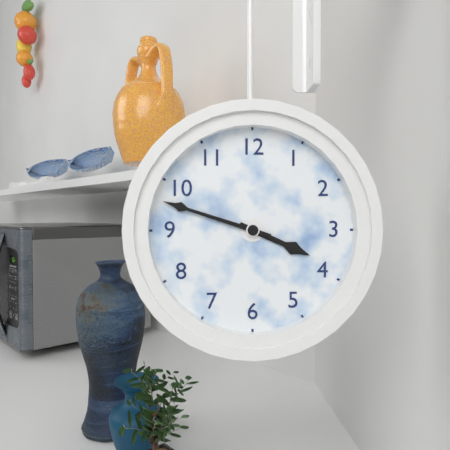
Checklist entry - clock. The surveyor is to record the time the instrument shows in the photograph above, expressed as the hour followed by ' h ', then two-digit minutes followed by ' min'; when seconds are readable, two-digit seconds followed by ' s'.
3 h 48 min
